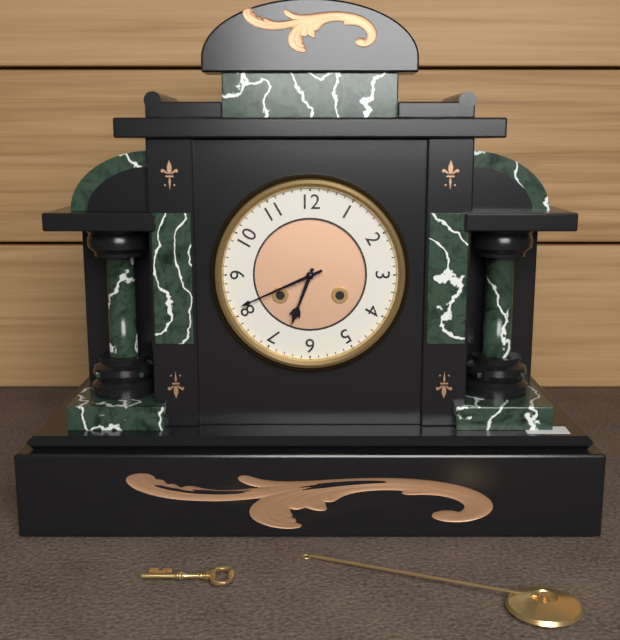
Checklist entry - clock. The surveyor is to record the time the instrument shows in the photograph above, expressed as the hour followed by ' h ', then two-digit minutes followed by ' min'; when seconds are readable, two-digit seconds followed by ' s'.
6 h 41 min
